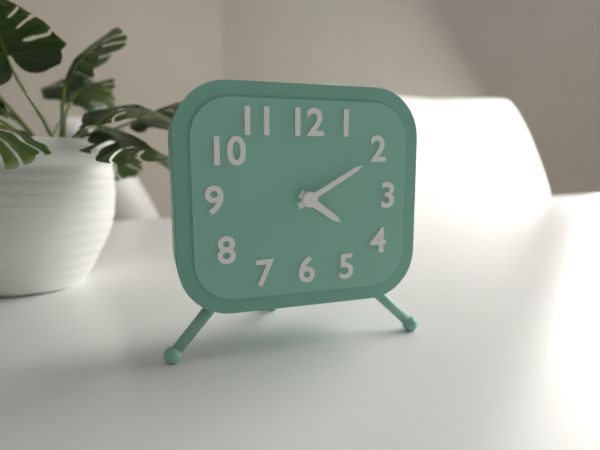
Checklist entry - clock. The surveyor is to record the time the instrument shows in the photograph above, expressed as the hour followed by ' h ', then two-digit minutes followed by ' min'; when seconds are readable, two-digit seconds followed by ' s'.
4 h 10 min
